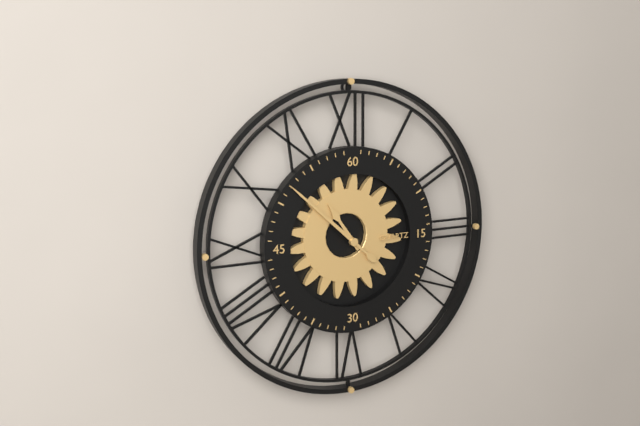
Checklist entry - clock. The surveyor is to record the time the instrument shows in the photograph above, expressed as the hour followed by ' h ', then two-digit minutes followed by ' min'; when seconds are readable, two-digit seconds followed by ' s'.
10 h 52 min
